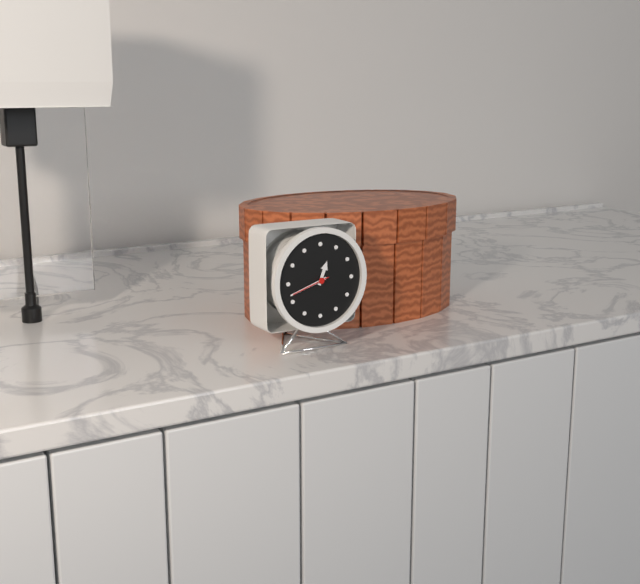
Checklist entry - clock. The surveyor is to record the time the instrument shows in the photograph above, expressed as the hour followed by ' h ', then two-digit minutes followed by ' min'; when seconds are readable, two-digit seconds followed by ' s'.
12 h 42 min
